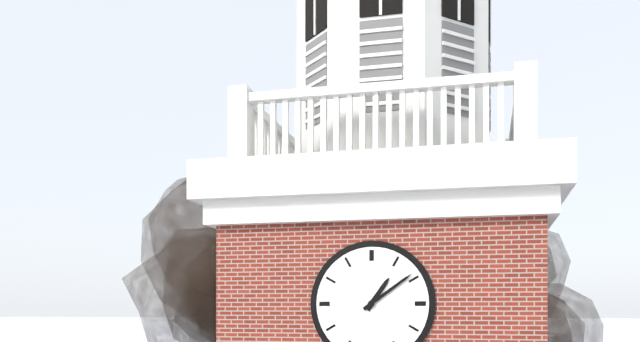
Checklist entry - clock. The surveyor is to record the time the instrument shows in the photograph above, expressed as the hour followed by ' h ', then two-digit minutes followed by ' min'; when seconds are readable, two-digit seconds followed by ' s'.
1 h 09 min
